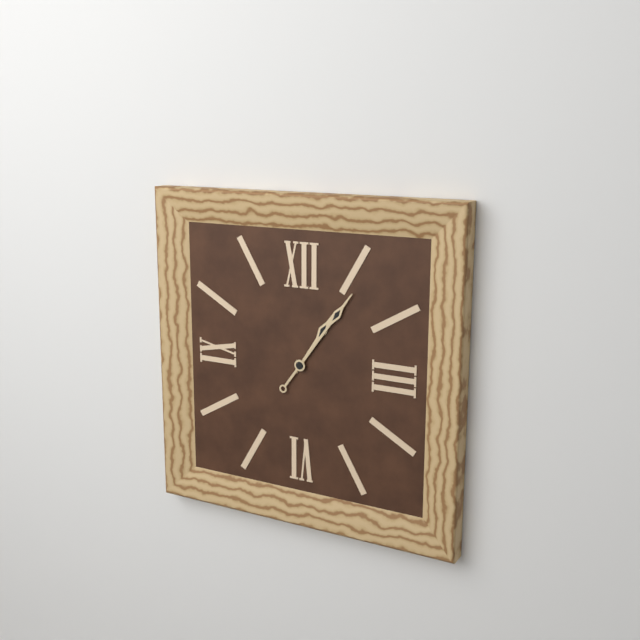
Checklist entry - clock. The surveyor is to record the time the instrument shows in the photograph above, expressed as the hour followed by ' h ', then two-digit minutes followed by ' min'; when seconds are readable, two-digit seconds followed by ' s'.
1 h 06 min
